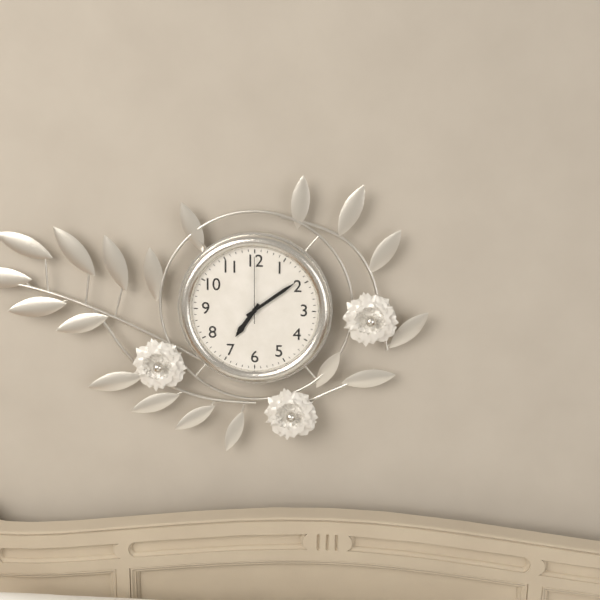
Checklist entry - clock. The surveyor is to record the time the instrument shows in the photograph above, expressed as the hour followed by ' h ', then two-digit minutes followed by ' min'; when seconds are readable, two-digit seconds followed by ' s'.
7 h 09 min 00 s
